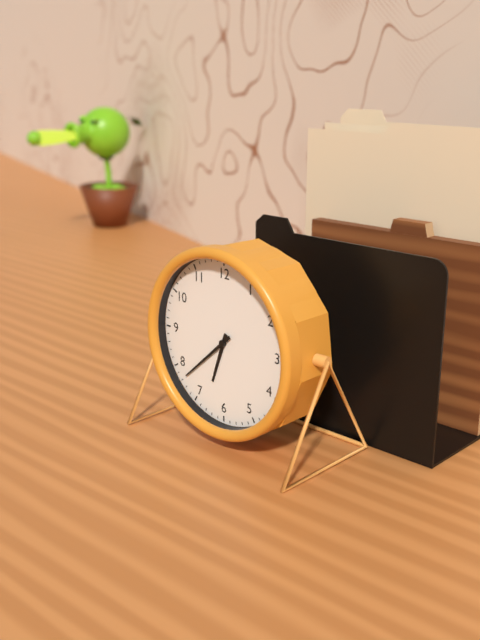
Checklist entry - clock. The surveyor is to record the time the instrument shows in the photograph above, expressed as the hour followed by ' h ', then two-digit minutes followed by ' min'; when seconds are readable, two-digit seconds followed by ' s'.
6 h 38 min
